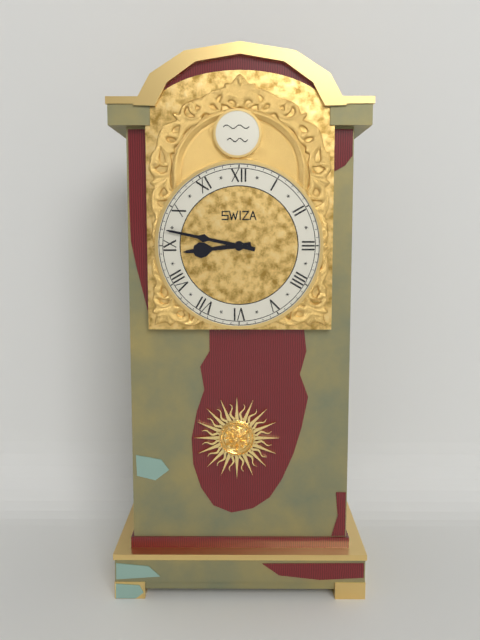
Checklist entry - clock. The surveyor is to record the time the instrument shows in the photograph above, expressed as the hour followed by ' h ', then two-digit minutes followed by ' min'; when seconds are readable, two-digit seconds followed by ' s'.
8 h 47 min
